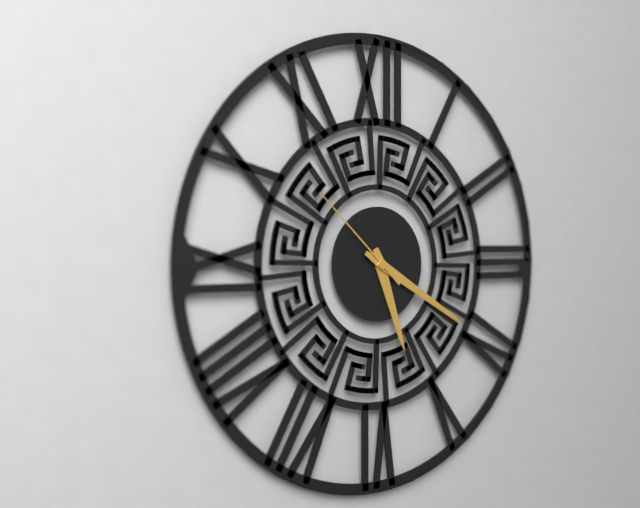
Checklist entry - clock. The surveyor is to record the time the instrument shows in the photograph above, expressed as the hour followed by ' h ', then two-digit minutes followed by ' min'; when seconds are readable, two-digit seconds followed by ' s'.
5 h 20 min 52 s
